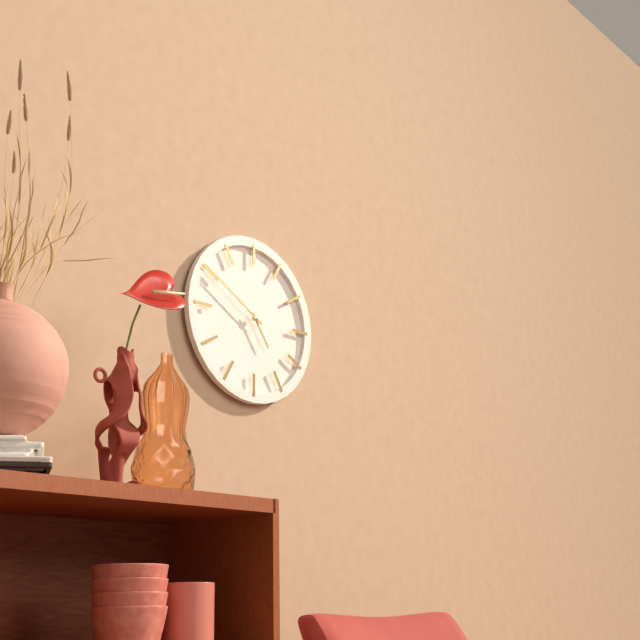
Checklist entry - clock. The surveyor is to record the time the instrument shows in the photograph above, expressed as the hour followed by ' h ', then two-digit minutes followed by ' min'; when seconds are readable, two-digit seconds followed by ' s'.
4 h 50 min
